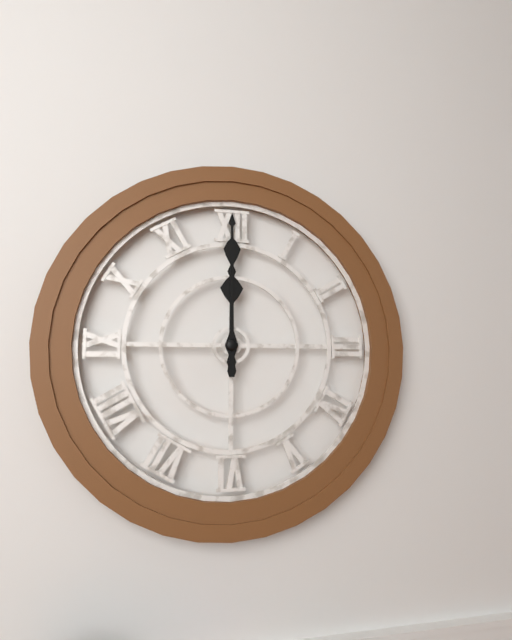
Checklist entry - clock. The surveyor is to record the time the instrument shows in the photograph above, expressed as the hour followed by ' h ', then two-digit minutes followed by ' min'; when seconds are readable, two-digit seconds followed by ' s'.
12 h 00 min
